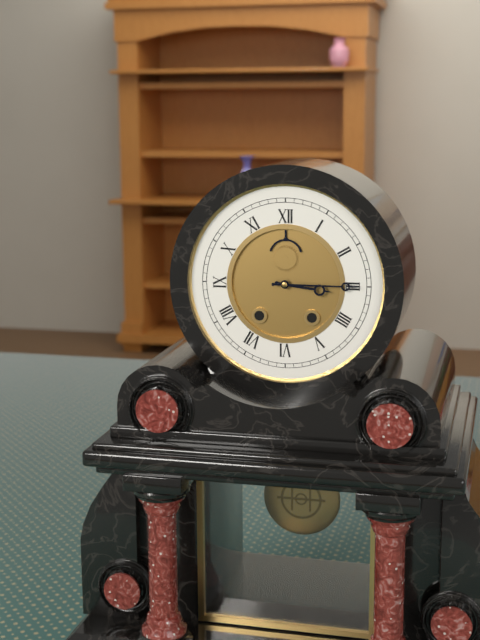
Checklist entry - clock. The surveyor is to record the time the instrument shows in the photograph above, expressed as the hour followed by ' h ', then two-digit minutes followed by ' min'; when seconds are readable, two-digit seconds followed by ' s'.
3 h 15 min
